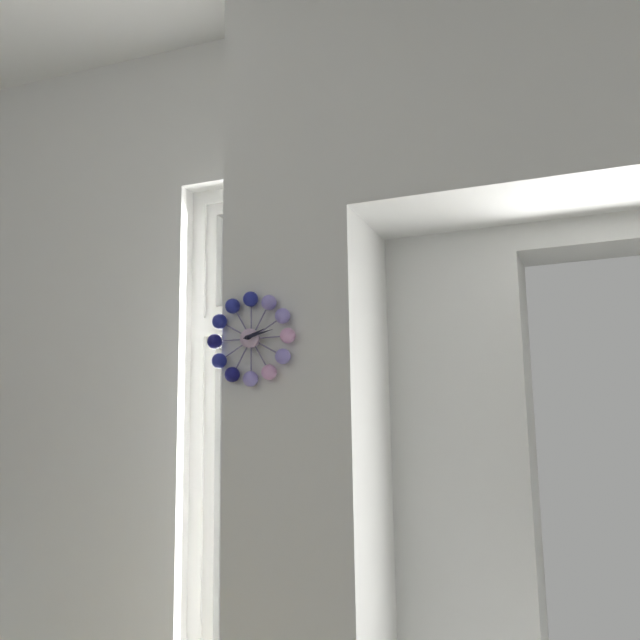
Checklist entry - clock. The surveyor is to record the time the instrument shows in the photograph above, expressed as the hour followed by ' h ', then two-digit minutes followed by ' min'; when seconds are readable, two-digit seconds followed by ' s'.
2 h 13 min
